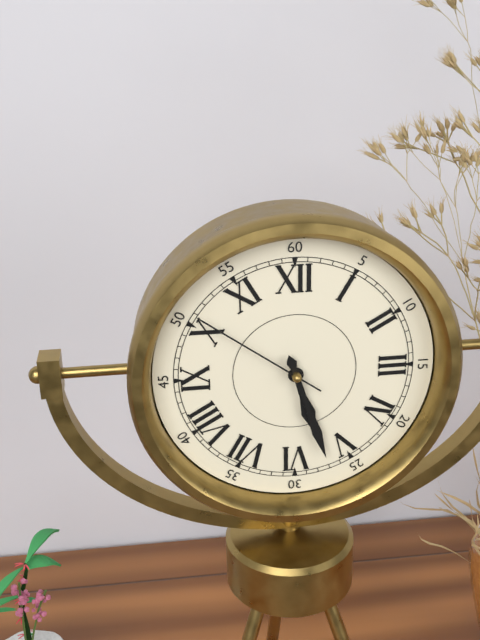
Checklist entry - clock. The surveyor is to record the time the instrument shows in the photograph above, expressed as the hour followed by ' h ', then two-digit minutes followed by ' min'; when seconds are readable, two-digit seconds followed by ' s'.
5 h 27 min 51 s
